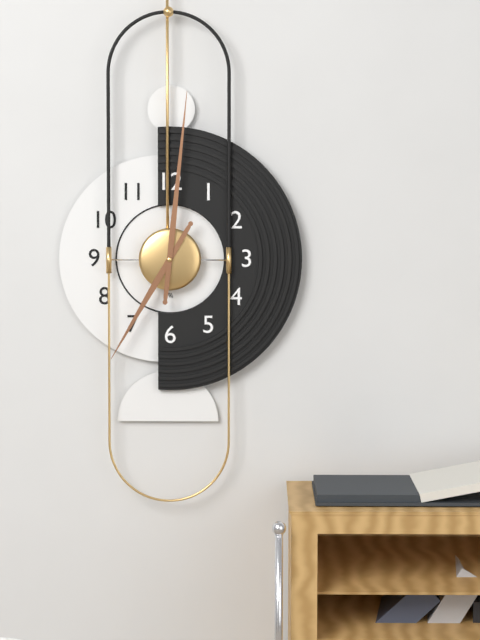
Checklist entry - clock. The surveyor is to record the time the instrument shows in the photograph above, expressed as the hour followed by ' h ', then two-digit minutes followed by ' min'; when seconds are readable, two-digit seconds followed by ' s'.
7 h 01 min
